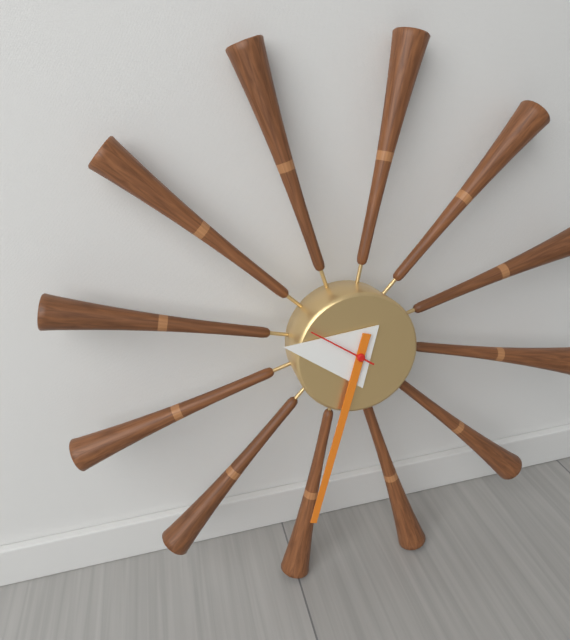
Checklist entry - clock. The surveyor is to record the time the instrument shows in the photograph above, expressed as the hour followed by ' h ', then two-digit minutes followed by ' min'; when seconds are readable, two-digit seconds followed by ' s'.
9 h 33 min
